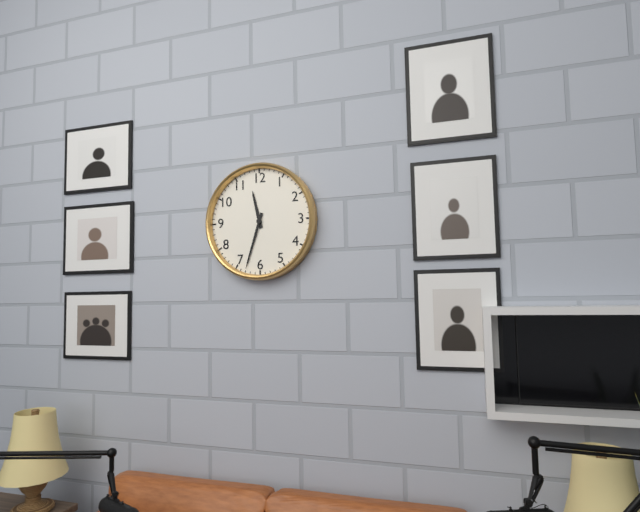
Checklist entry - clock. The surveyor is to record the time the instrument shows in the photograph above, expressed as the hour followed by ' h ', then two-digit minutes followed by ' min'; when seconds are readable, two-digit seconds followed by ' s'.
11 h 33 min
